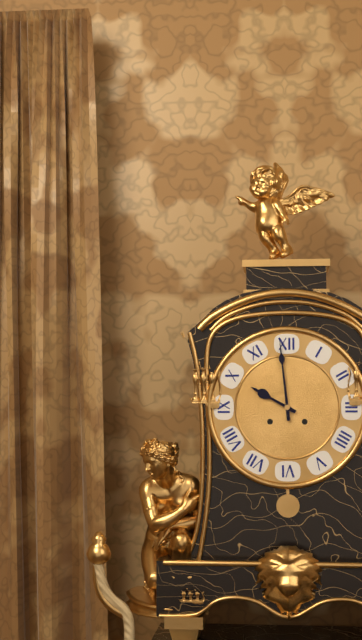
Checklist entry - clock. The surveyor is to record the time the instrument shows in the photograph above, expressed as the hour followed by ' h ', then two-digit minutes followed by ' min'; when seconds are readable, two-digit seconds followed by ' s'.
9 h 59 min
